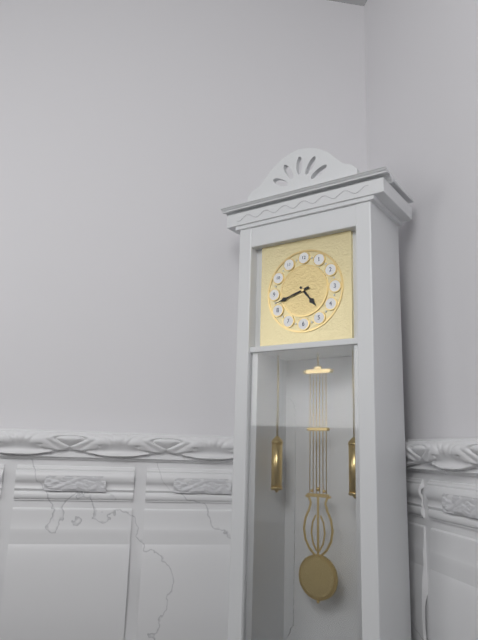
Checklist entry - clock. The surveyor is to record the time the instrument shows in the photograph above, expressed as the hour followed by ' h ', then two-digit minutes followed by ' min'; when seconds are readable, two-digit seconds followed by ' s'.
4 h 42 min
